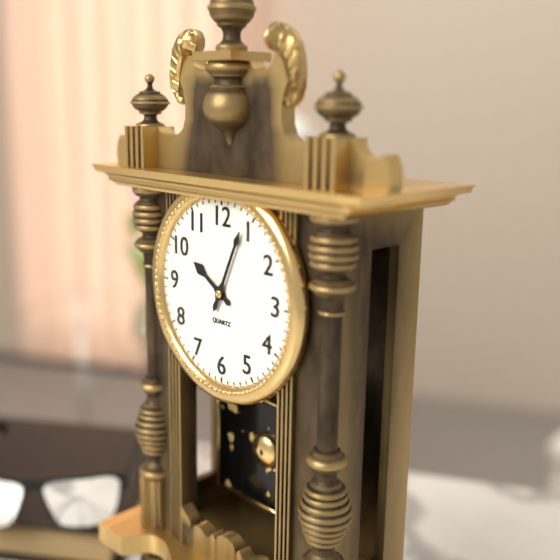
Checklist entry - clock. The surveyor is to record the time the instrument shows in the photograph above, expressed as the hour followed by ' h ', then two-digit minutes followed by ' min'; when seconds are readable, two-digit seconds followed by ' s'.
10 h 04 min
